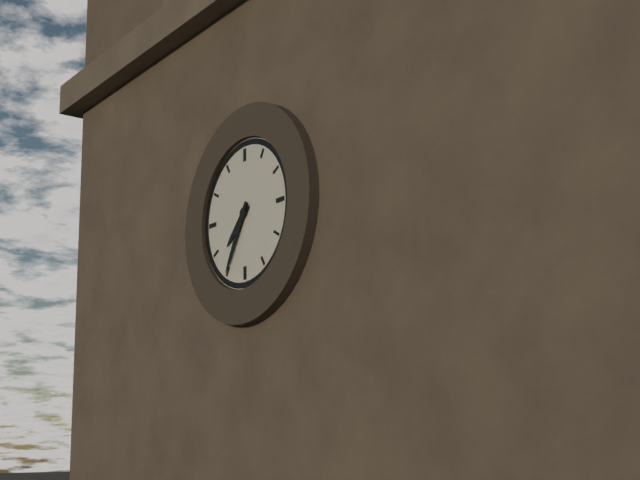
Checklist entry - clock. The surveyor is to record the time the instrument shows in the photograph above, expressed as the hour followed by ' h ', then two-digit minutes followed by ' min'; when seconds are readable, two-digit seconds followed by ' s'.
7 h 35 min
